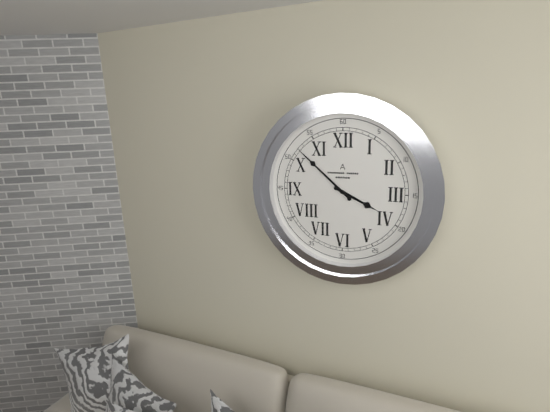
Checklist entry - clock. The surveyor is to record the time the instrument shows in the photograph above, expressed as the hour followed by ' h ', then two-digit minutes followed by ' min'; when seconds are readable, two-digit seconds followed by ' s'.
3 h 52 min
